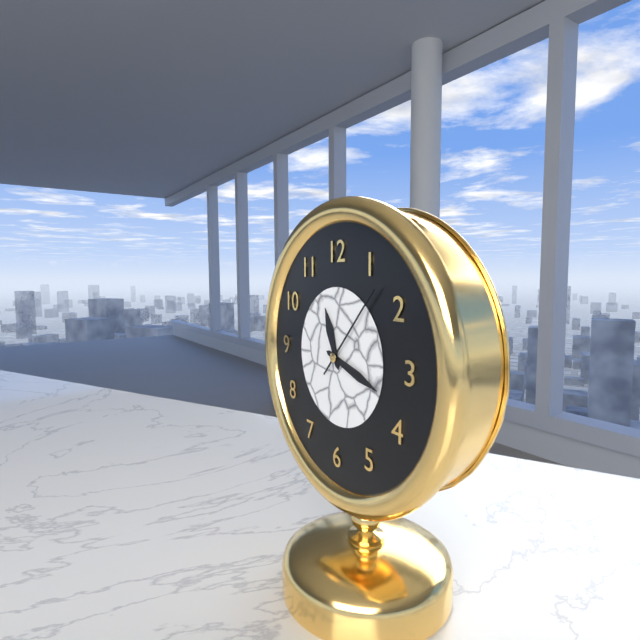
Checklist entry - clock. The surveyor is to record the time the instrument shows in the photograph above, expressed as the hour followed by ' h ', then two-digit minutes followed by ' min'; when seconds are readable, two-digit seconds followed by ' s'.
11 h 18 min 07 s
